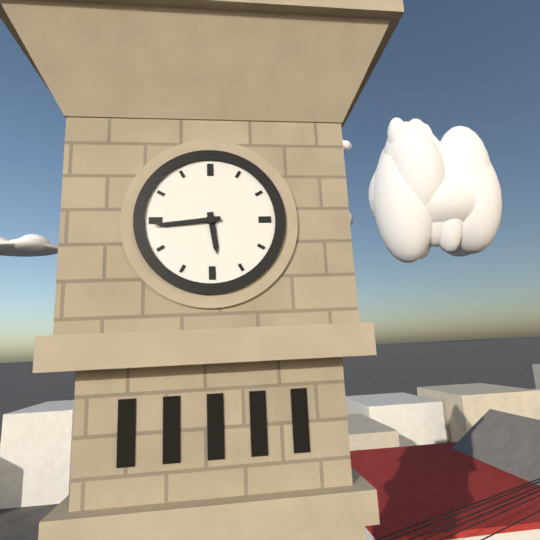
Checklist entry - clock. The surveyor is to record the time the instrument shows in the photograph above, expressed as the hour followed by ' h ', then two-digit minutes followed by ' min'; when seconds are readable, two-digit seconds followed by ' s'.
5 h 44 min
